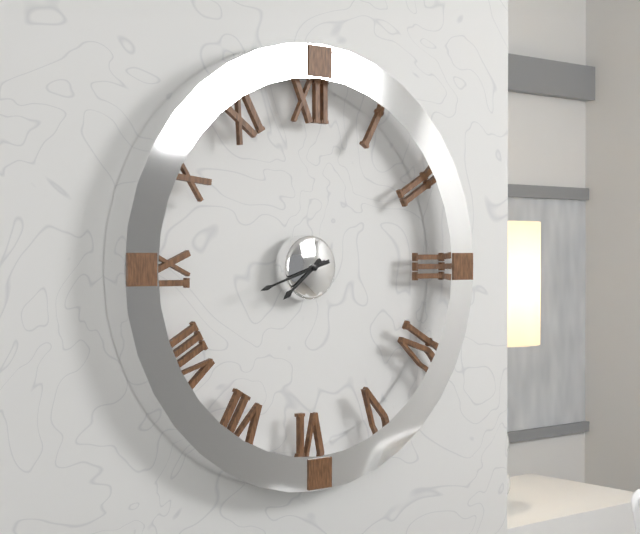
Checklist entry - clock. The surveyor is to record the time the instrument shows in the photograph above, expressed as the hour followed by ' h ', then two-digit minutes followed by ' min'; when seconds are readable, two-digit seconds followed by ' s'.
7 h 42 min
